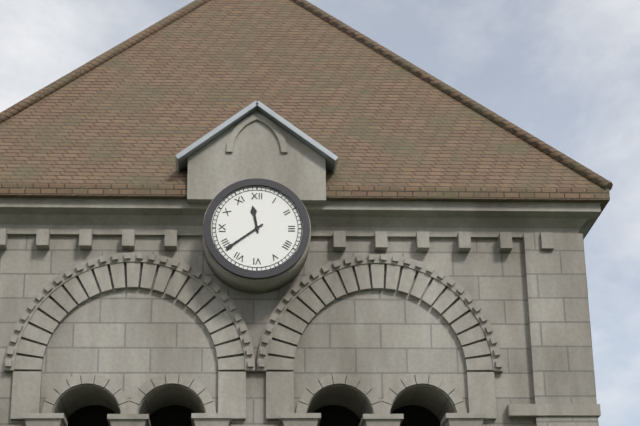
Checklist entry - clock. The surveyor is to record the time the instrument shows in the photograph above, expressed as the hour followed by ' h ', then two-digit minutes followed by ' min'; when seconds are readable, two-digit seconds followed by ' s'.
11 h 39 min
